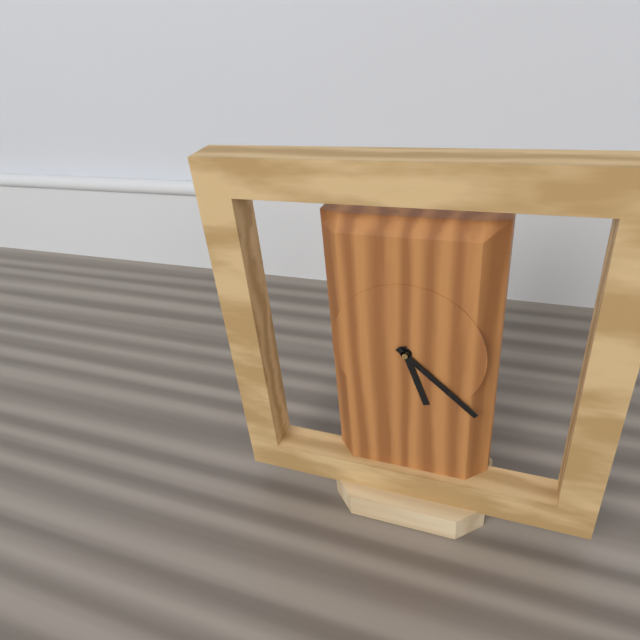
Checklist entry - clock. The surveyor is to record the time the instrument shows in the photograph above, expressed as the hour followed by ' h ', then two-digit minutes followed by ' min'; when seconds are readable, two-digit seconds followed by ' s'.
5 h 22 min
